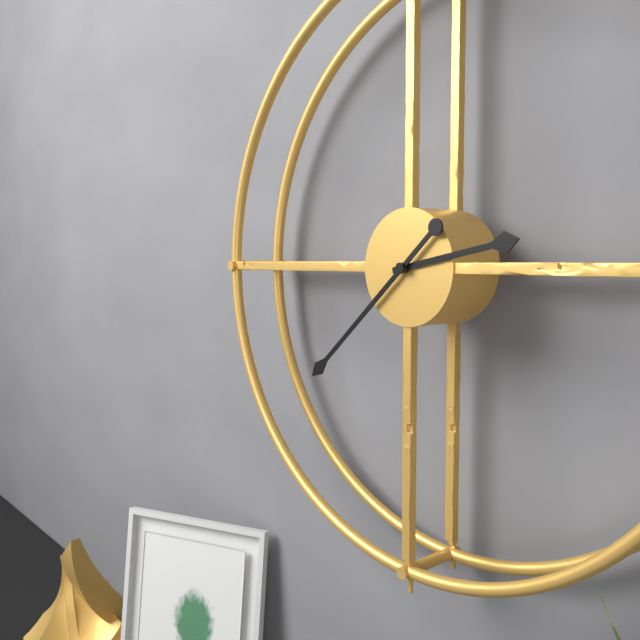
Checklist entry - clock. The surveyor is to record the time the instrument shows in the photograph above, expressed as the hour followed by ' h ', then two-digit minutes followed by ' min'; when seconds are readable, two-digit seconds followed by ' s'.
2 h 38 min
